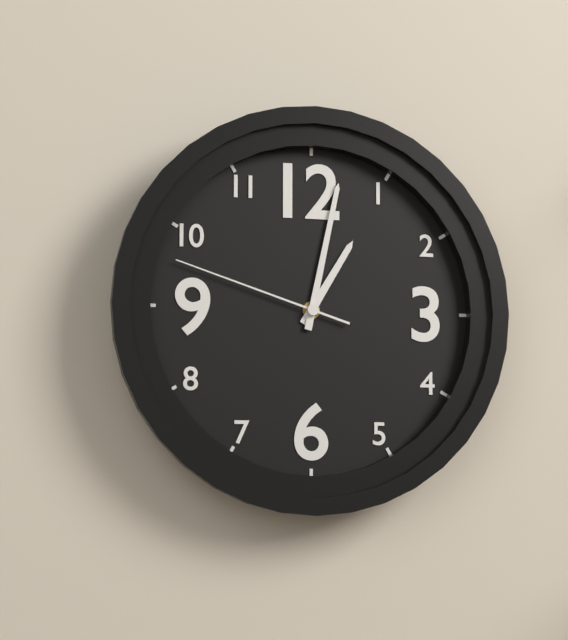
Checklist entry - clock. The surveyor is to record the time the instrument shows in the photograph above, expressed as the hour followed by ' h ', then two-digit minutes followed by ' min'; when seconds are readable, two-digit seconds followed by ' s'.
1 h 02 min 48 s
